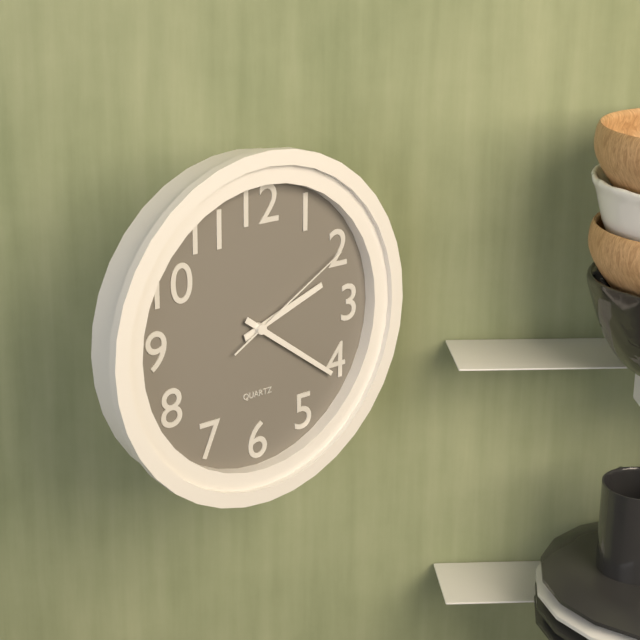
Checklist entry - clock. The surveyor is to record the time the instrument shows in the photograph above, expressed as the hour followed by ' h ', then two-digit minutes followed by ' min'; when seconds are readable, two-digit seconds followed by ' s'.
2 h 21 min 10 s
